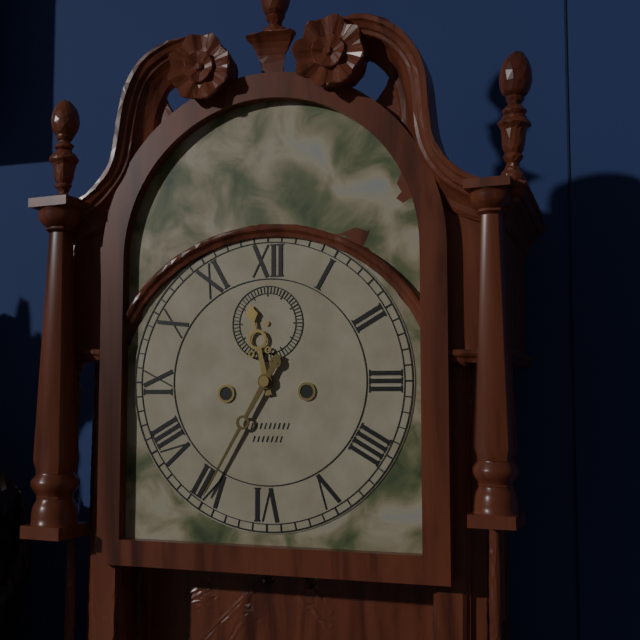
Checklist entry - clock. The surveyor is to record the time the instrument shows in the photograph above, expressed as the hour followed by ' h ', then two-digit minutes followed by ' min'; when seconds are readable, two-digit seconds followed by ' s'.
11 h 35 min
